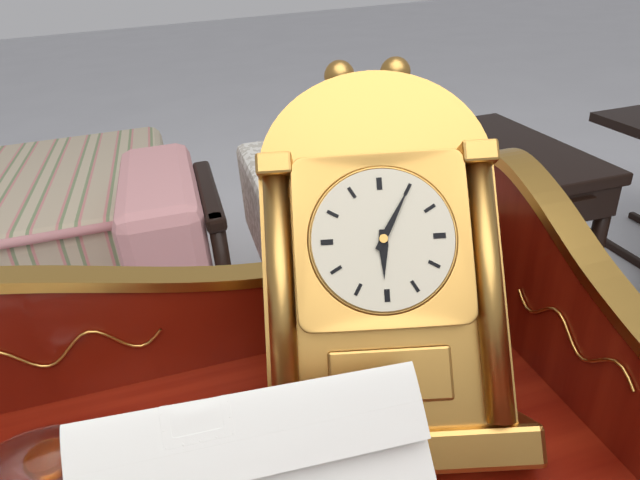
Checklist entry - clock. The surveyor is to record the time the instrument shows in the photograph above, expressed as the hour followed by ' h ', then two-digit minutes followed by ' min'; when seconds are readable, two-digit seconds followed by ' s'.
6 h 05 min
